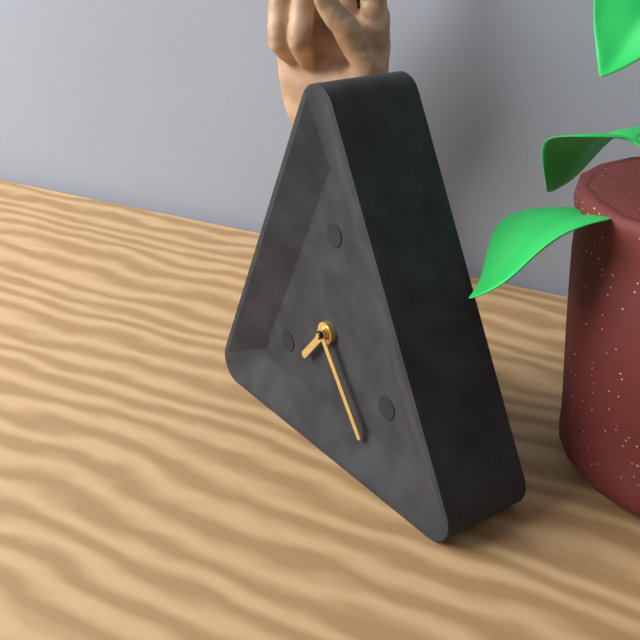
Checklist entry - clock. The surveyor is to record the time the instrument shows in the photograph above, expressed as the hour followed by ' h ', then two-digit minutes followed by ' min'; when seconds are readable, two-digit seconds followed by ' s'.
7 h 24 min
